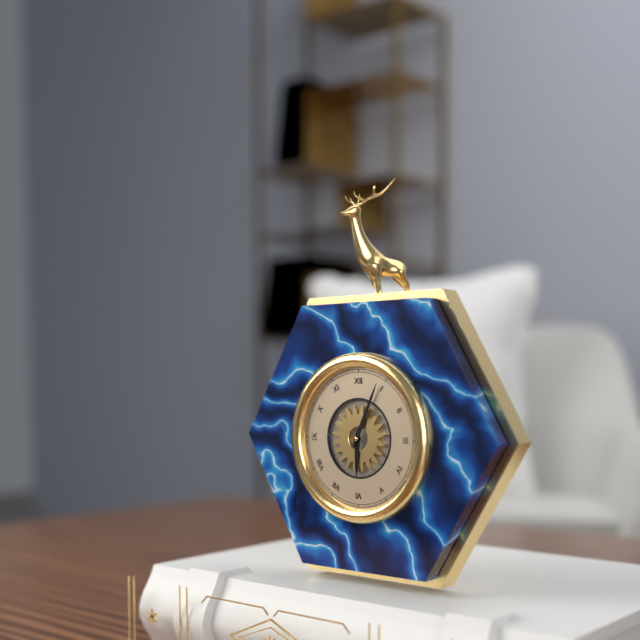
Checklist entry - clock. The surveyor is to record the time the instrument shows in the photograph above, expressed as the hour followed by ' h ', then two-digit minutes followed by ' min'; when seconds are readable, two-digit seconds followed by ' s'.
6 h 04 min
